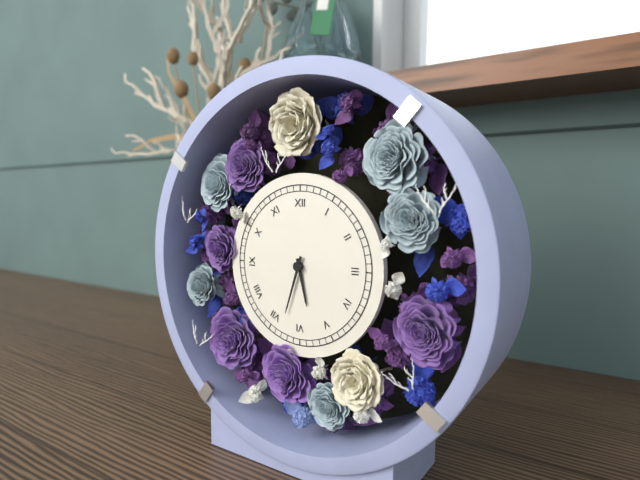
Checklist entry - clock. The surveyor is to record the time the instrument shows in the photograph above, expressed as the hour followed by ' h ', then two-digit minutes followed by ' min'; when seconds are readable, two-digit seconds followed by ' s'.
5 h 33 min
